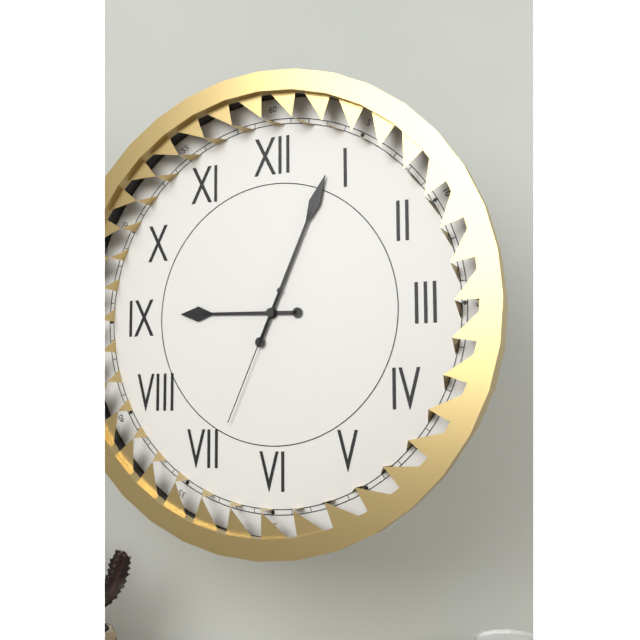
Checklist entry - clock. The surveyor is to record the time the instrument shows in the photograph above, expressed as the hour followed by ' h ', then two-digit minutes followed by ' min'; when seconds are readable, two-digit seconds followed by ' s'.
9 h 04 min 34 s
